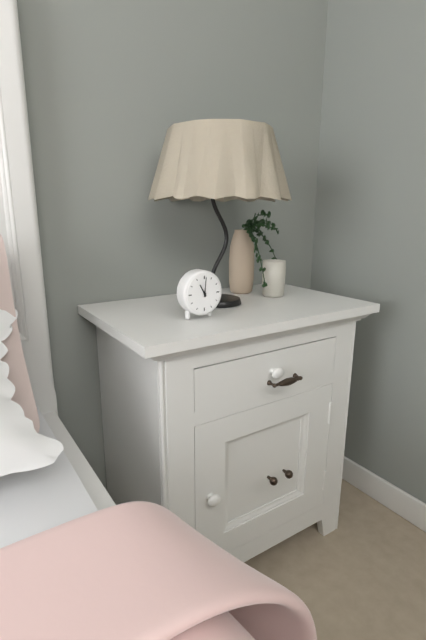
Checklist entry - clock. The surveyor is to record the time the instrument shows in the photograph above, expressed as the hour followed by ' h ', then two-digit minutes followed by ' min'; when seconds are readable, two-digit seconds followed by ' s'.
11 h 01 min
